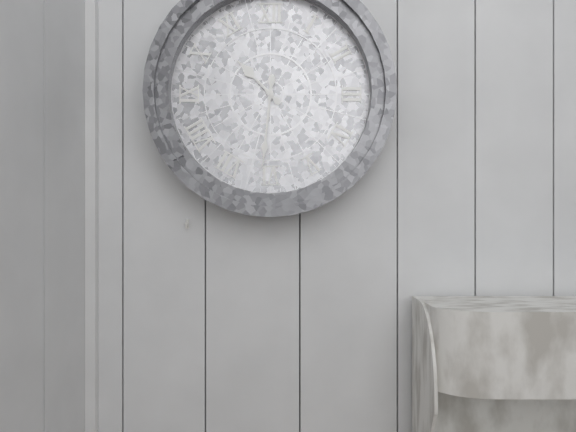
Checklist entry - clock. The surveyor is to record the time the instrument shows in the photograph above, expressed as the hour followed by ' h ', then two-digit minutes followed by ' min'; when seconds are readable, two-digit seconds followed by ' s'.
10 h 31 min
